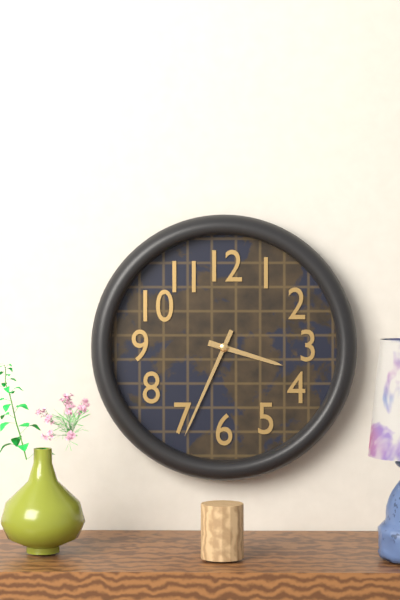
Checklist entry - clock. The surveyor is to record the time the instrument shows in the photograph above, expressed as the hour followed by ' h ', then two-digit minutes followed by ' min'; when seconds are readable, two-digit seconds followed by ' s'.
3 h 34 min
